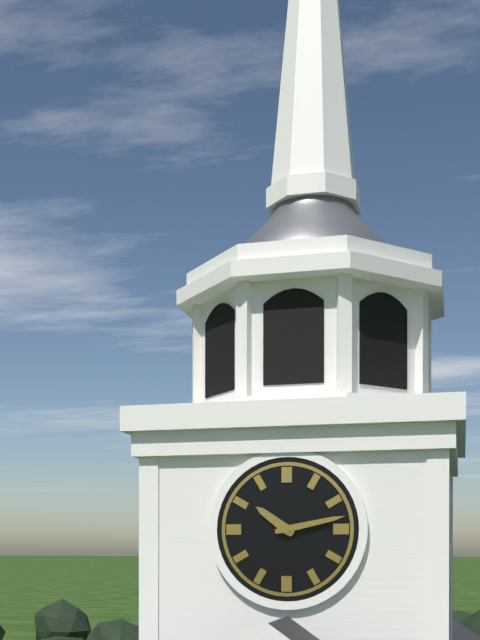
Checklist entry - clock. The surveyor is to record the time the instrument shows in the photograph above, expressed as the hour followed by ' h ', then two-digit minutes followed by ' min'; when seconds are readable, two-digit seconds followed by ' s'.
10 h 13 min
